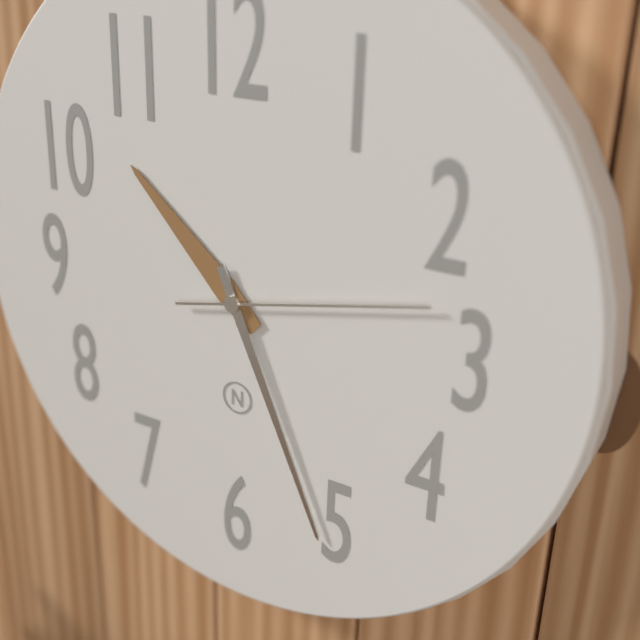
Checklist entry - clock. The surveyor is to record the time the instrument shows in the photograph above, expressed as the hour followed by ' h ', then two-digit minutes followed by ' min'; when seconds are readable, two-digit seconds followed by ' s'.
10 h 26 min 13 s
